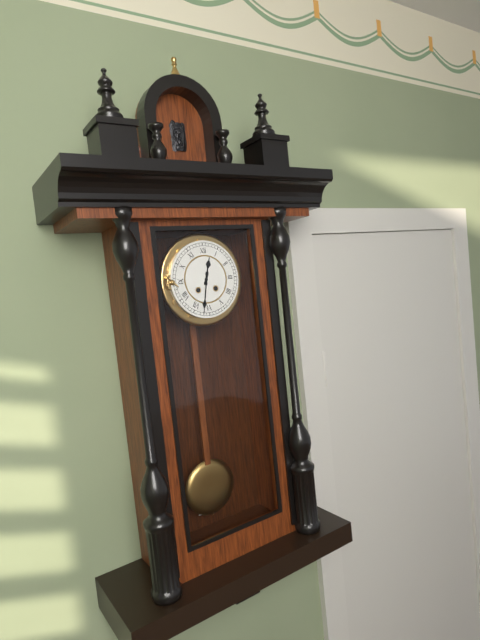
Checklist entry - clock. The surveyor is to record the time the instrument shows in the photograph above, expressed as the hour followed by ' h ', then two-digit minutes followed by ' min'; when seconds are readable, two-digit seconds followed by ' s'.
12 h 32 min
